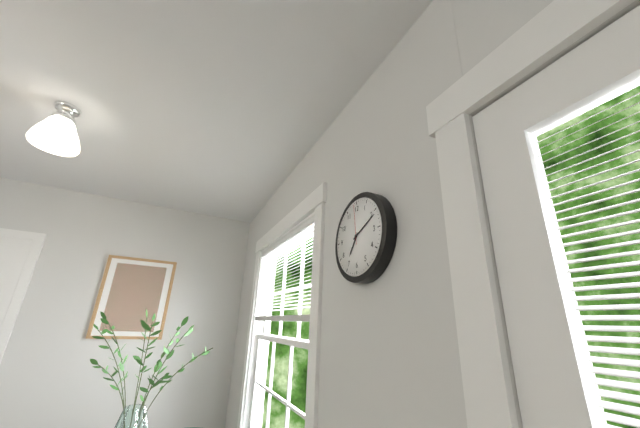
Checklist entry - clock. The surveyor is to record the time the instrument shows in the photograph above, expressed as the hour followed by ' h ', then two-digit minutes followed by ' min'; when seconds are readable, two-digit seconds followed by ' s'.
7 h 11 min
